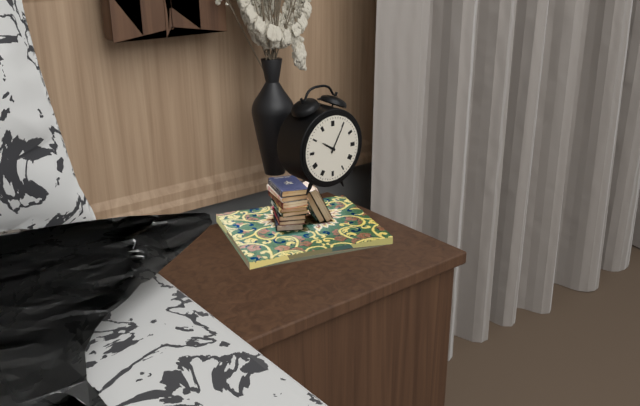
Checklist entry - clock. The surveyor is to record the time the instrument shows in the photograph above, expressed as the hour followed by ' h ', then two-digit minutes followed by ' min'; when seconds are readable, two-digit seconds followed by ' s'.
10 h 05 min
